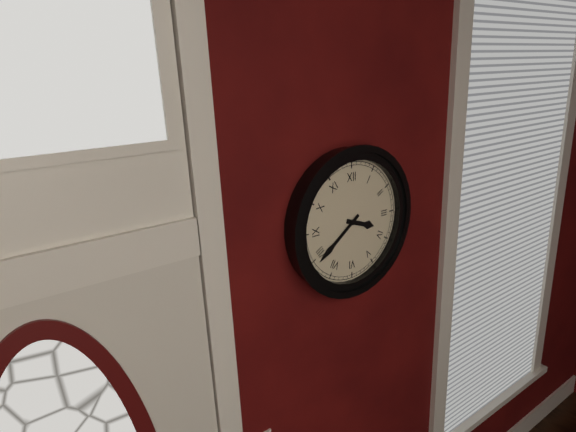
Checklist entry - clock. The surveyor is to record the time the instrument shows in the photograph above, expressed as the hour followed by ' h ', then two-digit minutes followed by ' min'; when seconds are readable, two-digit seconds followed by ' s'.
3 h 39 min
